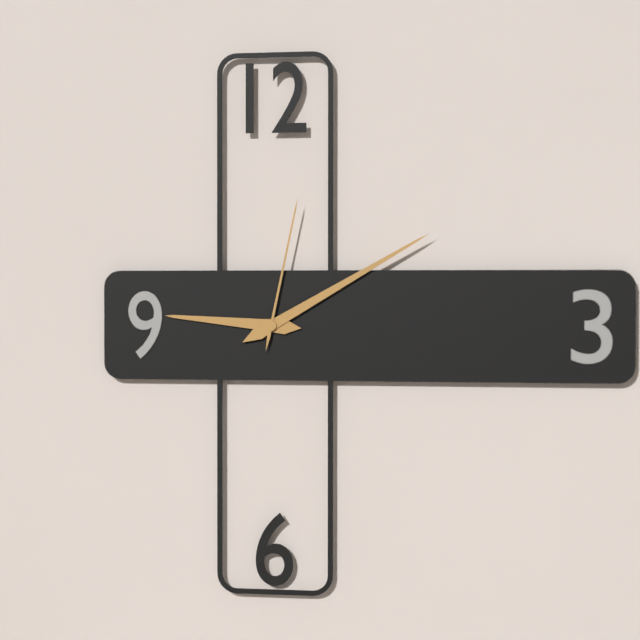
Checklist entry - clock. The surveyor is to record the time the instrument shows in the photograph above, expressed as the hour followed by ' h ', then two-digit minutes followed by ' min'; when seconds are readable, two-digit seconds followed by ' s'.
9 h 10 min 02 s
